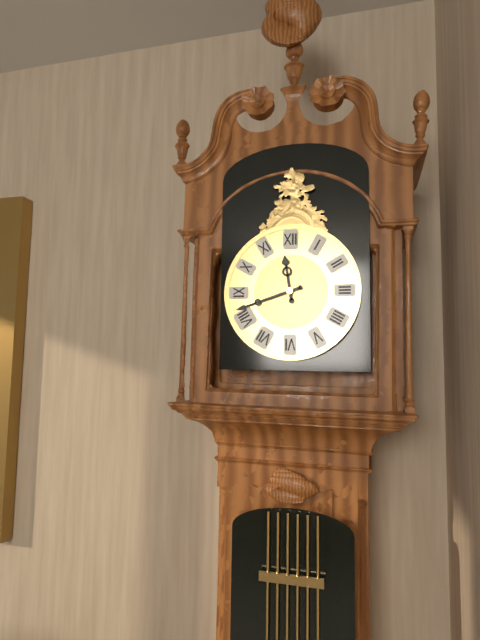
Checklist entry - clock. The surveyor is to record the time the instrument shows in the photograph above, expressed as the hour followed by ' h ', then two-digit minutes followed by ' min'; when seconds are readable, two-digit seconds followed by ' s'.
11 h 42 min
